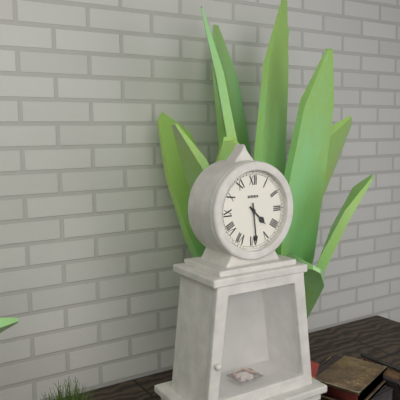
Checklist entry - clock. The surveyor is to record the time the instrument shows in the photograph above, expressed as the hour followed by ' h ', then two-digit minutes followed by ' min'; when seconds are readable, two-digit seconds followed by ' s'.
4 h 29 min
